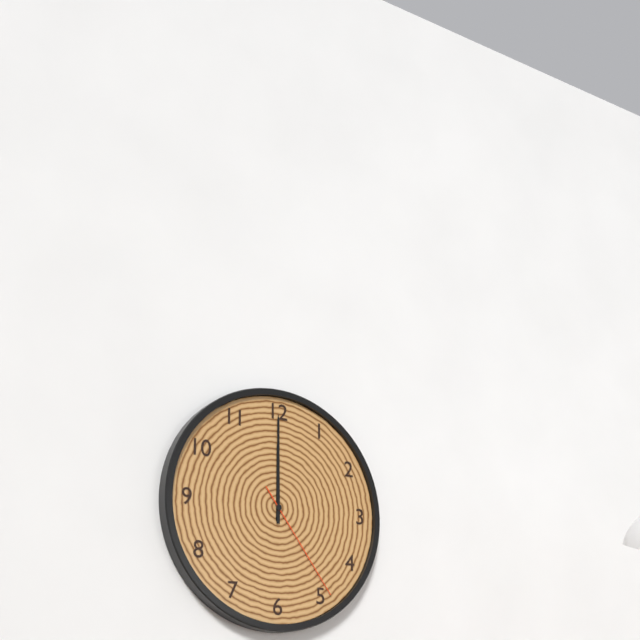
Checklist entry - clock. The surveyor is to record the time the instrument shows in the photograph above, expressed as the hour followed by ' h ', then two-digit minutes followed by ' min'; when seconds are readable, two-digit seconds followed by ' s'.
12 h 00 min 24 s
